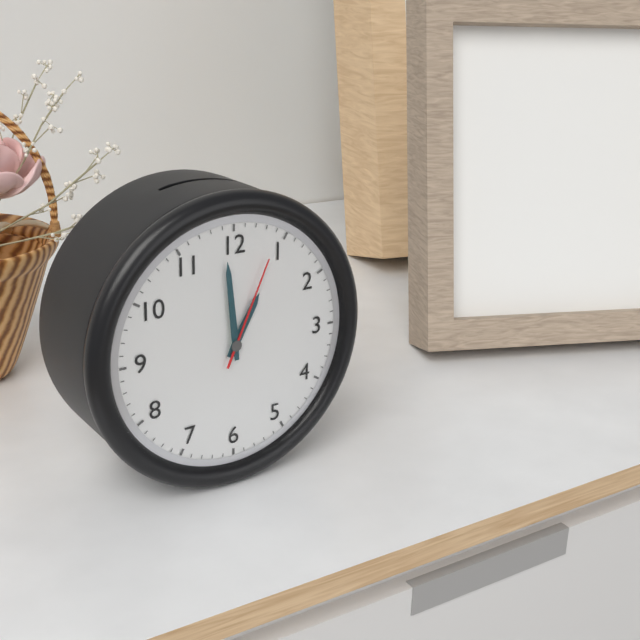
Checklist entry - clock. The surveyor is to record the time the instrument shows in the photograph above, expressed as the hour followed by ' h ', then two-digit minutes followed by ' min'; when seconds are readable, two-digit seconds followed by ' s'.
12 h 59 min 04 s
